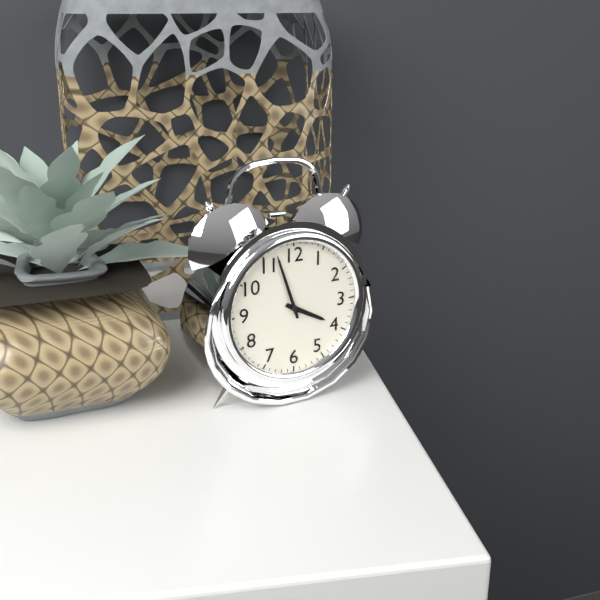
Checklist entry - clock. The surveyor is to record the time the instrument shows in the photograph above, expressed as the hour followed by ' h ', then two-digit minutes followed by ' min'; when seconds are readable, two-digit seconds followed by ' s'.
3 h 57 min
